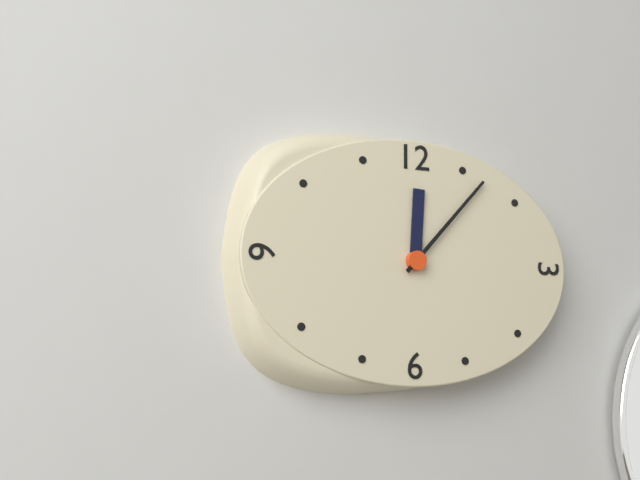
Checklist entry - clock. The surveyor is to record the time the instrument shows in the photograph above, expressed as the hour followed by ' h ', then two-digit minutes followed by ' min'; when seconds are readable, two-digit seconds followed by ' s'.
12 h 07 min
